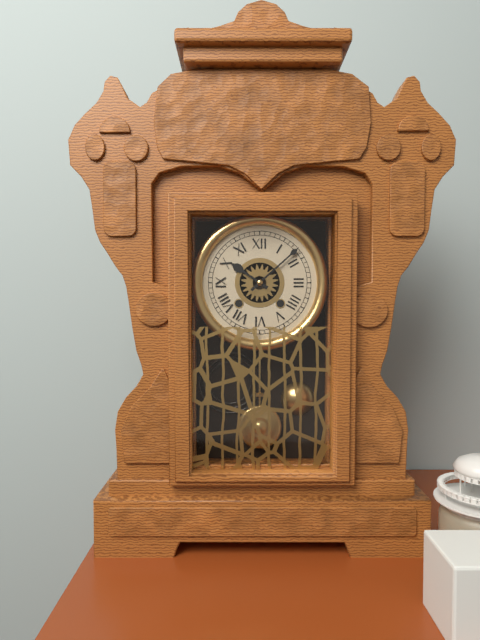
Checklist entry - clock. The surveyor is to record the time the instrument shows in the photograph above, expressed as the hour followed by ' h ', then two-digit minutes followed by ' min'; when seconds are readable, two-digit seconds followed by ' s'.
10 h 08 min
